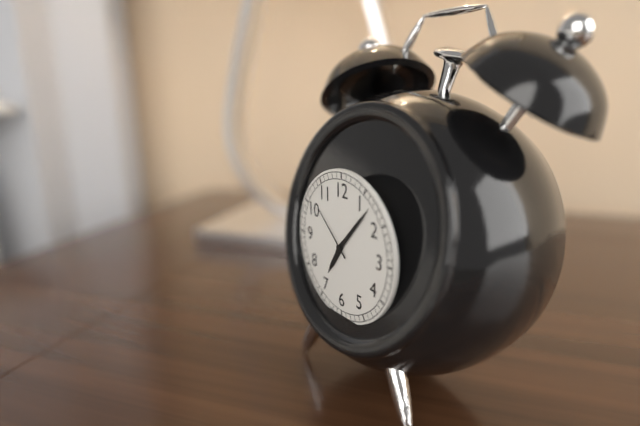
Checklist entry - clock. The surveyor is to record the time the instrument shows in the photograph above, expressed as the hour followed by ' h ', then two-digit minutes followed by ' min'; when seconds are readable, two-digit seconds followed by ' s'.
7 h 07 min 52 s
